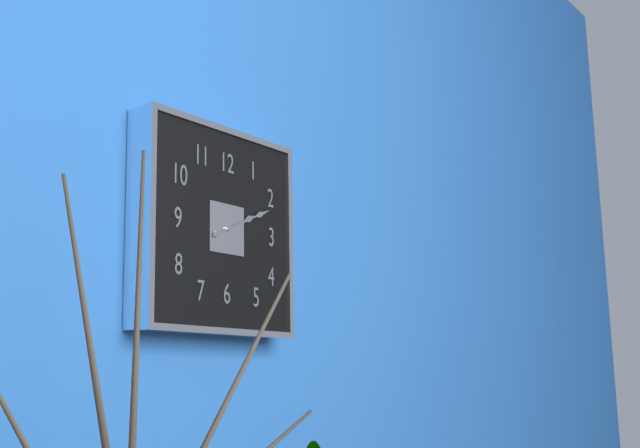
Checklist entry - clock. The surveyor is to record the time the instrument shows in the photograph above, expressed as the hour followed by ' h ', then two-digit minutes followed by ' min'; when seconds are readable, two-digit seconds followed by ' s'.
2 h 11 min
